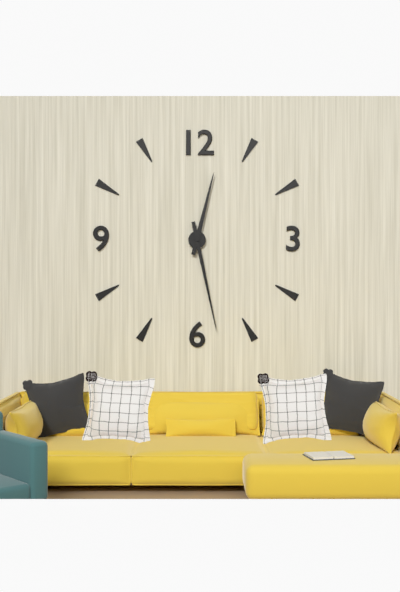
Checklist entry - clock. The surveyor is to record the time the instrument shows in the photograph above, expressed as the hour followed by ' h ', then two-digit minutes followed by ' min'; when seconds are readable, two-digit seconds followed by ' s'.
12 h 28 min
